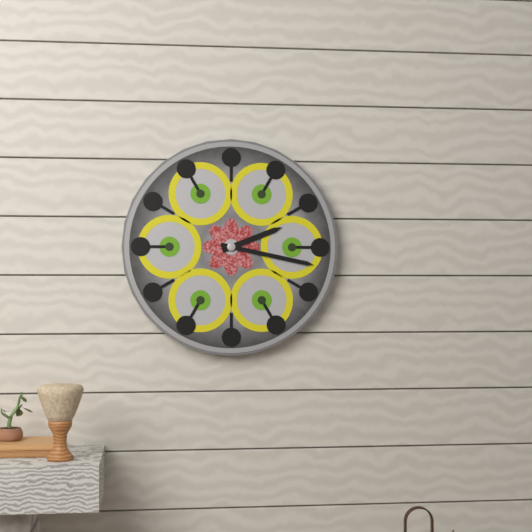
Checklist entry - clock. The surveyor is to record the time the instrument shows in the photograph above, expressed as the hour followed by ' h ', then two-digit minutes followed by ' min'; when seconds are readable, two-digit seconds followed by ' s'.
2 h 17 min
